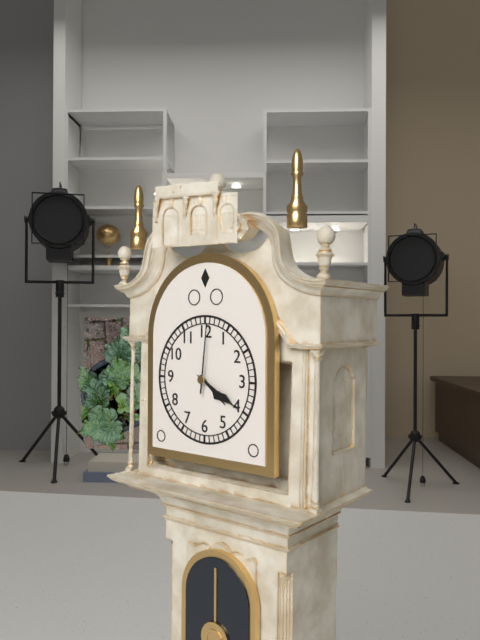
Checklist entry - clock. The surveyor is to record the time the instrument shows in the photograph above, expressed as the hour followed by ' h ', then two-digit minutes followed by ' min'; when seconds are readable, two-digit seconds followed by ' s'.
4 h 20 min 01 s
